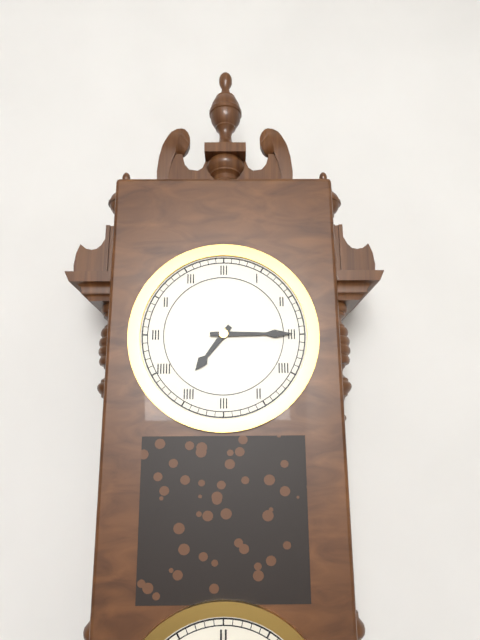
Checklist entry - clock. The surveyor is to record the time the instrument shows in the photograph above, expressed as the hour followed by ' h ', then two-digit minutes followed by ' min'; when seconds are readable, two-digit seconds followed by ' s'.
7 h 15 min
